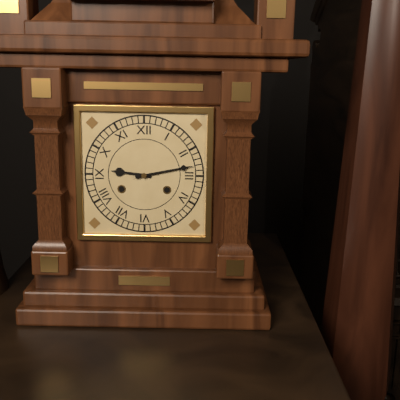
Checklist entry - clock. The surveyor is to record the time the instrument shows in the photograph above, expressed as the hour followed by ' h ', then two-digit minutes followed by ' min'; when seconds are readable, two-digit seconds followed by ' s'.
9 h 13 min
